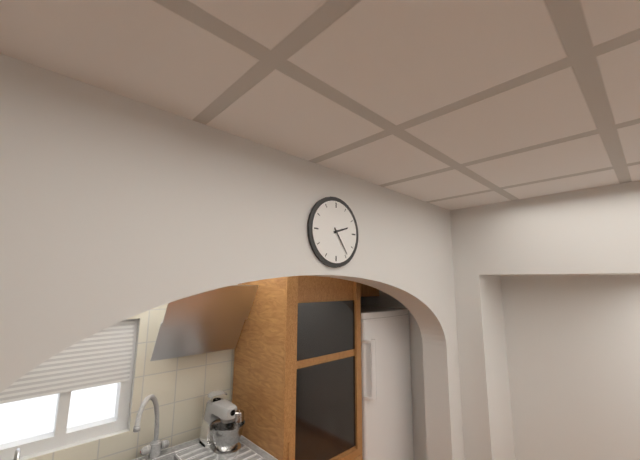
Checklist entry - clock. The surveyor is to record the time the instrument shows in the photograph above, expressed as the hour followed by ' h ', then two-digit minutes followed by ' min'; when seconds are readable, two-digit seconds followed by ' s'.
2 h 24 min
